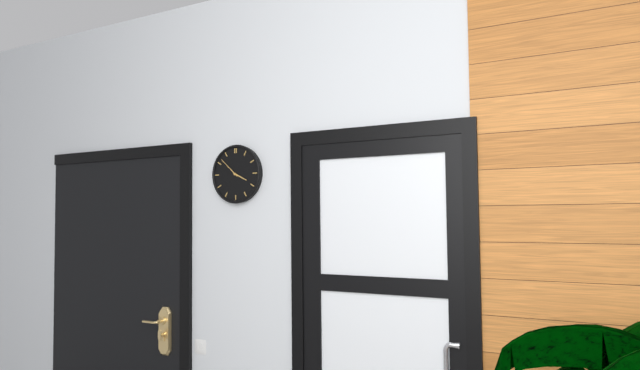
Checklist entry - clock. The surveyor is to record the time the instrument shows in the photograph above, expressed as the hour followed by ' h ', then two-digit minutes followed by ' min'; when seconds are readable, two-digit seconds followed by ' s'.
3 h 52 min
